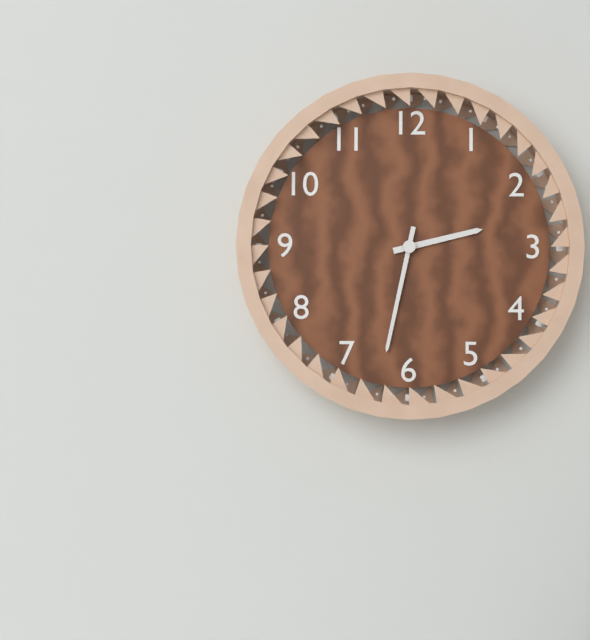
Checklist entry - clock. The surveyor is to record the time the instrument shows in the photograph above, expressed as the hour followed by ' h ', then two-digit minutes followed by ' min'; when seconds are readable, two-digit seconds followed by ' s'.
2 h 32 min
